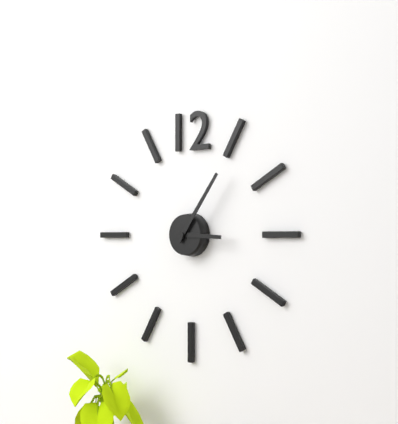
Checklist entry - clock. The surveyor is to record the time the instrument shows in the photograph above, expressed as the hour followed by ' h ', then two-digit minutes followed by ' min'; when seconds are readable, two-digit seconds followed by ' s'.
3 h 06 min
